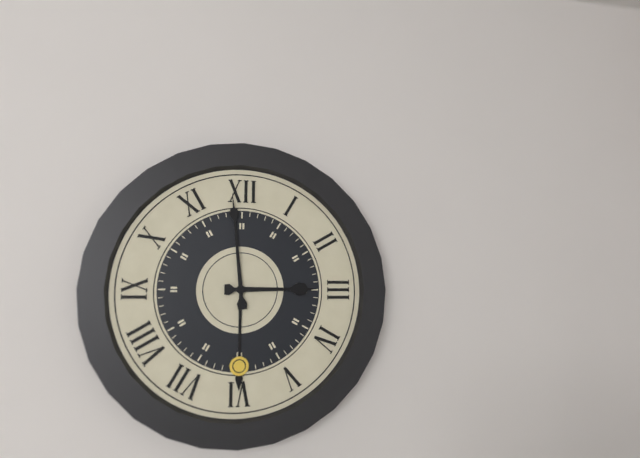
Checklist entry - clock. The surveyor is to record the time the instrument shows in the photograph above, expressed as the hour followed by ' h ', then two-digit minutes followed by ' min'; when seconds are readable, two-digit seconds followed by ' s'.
2 h 59 min
